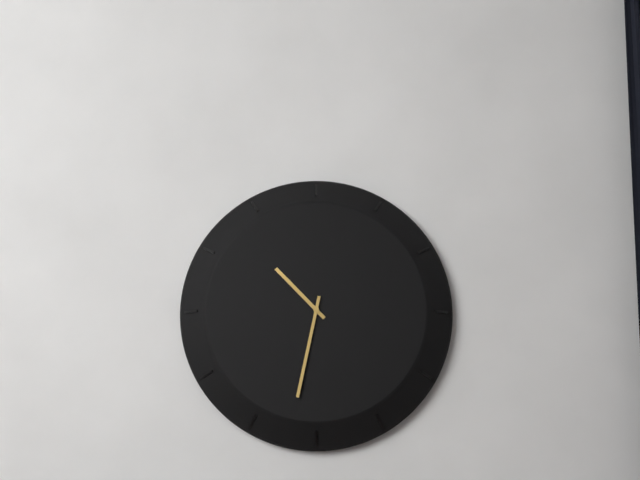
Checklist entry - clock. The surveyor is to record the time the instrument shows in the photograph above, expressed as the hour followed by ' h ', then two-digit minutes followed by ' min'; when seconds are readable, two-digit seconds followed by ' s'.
10 h 32 min
